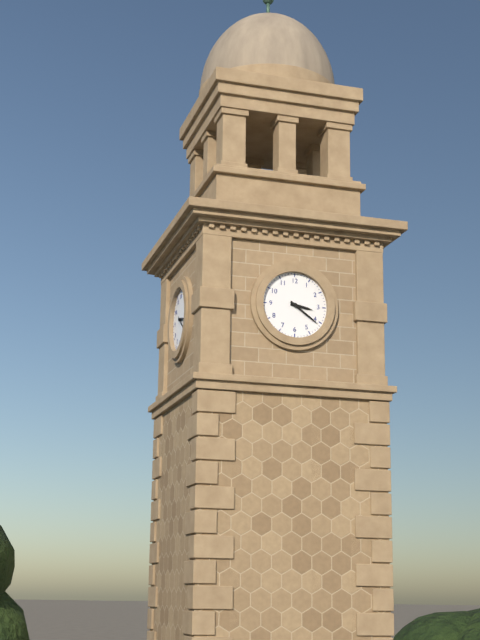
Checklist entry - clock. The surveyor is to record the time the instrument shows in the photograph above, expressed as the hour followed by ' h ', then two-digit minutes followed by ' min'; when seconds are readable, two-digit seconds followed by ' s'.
3 h 21 min
